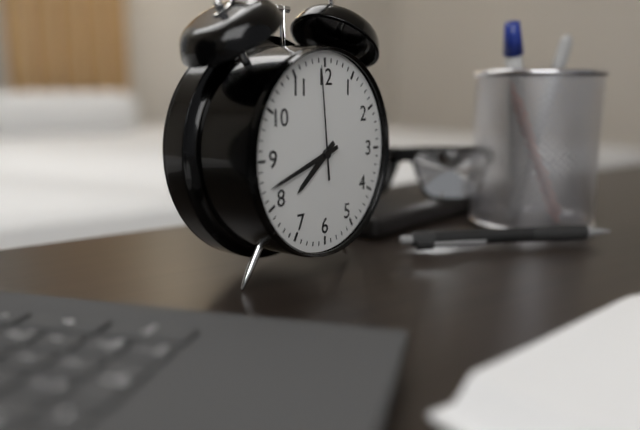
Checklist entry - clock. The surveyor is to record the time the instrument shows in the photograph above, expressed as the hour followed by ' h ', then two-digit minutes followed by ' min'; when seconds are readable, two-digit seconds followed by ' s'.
7 h 42 min 59 s
